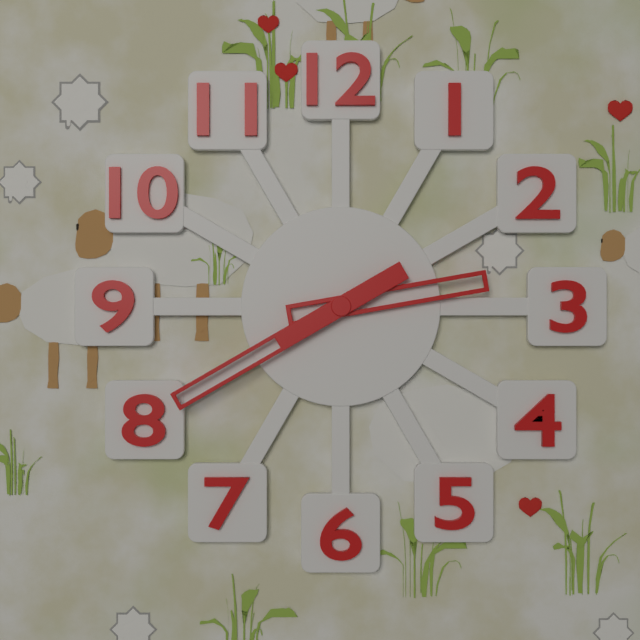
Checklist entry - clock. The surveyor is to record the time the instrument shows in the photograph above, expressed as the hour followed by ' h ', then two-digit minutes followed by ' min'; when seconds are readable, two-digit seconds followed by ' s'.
2 h 40 min
